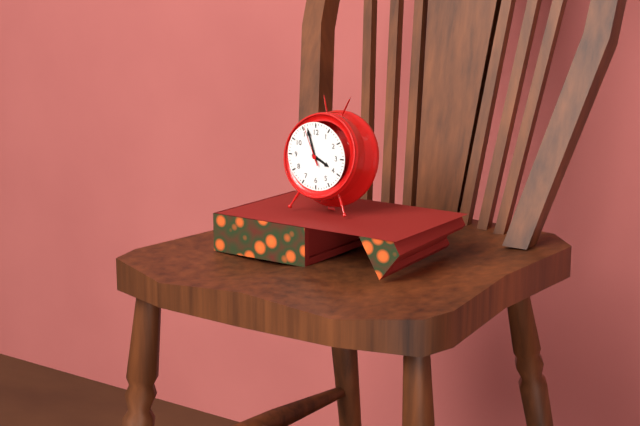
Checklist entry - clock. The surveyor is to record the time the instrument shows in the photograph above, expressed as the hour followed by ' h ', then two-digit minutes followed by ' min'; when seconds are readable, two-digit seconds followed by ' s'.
3 h 57 min
